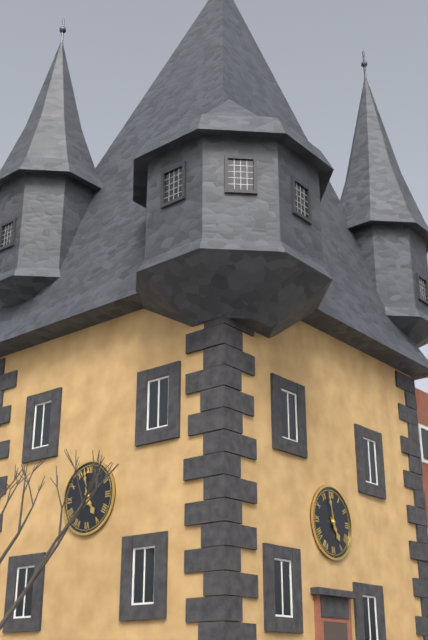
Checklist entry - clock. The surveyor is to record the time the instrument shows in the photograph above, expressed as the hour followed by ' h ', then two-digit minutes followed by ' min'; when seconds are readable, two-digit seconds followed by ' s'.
4 h 58 min
